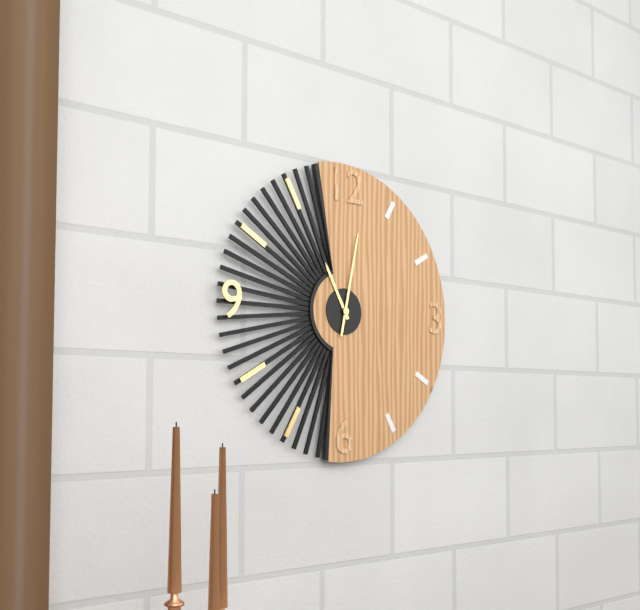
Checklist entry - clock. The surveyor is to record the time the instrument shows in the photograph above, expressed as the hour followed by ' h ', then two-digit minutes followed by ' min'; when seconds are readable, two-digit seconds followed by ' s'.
11 h 02 min
